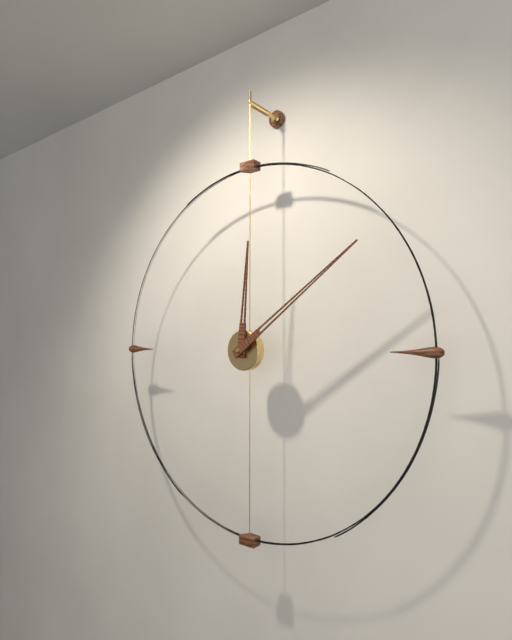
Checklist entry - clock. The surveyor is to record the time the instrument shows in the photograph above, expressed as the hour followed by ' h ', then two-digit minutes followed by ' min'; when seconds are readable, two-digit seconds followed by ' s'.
12 h 09 min
